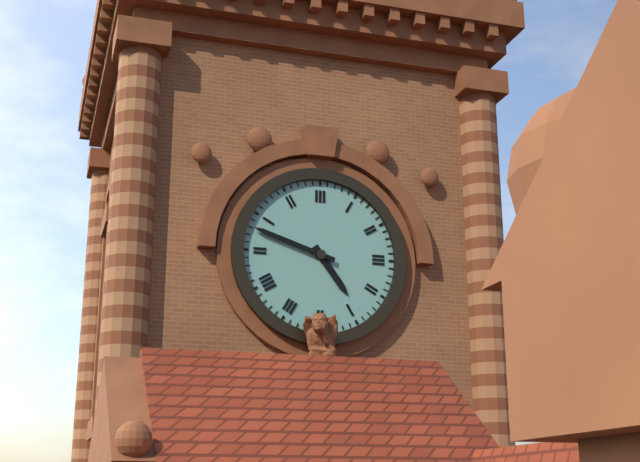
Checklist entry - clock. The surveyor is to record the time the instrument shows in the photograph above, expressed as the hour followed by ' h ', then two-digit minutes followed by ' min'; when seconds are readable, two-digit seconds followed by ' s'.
4 h 48 min
